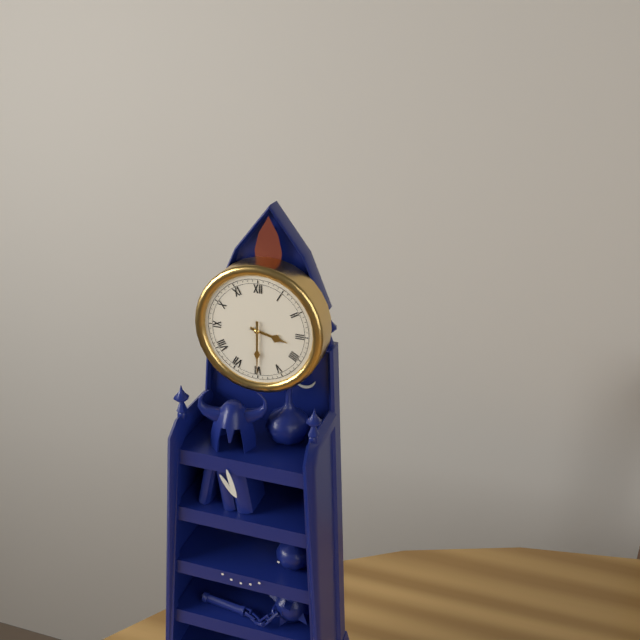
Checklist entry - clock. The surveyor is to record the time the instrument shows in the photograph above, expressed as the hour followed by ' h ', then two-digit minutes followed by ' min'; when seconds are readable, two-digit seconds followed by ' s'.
3 h 30 min
